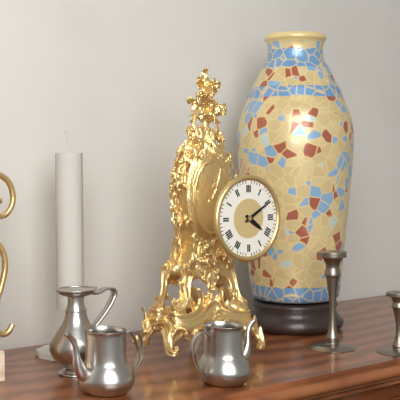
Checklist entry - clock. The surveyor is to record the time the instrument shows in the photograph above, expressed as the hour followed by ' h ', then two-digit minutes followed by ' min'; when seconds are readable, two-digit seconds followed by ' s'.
4 h 10 min
